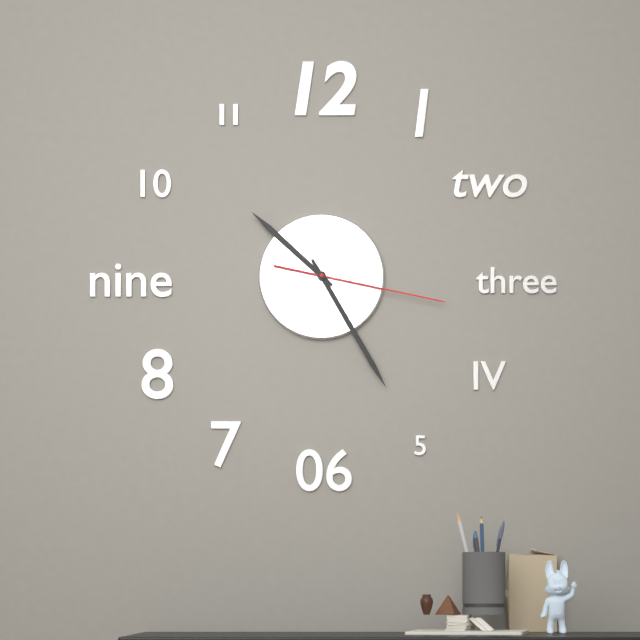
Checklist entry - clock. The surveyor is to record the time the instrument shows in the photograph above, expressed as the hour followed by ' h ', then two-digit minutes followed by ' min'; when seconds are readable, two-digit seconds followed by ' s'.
10 h 25 min 17 s
